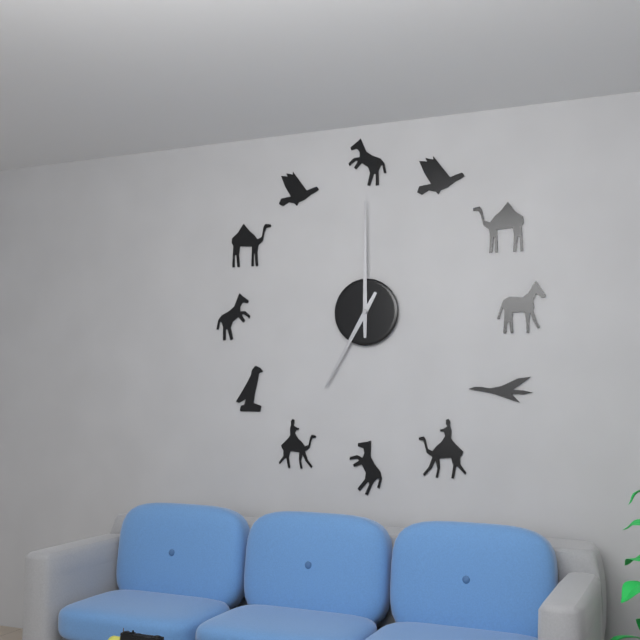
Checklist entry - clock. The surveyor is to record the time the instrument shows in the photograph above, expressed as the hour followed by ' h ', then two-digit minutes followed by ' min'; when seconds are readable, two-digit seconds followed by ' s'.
7 h 00 min
